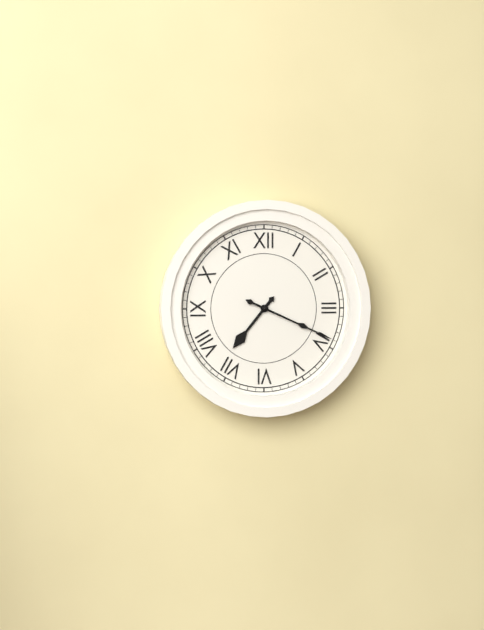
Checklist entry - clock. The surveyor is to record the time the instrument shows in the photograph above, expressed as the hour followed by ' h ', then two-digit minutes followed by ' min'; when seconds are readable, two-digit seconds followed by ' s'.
7 h 19 min
